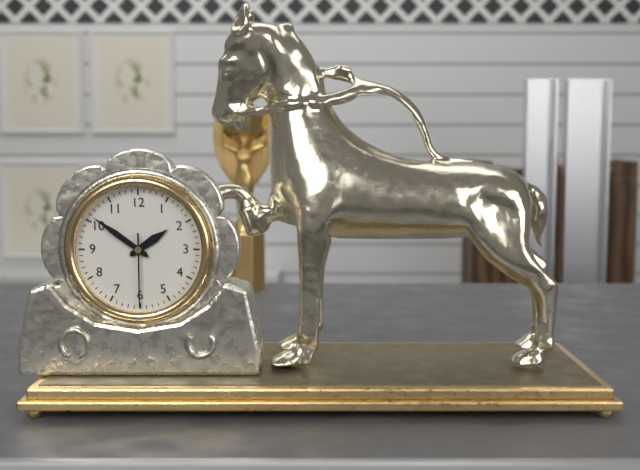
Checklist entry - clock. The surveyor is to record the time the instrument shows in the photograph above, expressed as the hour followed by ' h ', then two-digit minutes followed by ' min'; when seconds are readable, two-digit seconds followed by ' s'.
1 h 51 min 30 s
